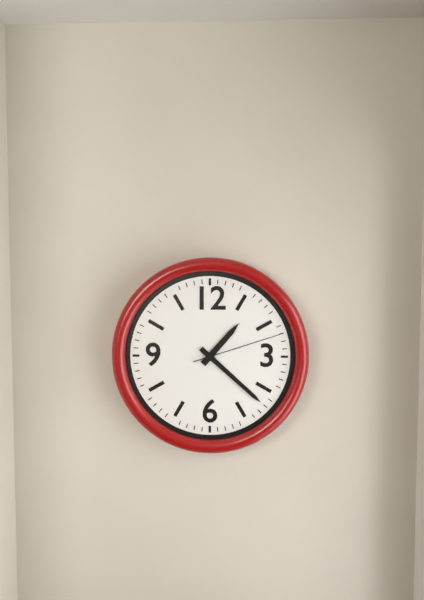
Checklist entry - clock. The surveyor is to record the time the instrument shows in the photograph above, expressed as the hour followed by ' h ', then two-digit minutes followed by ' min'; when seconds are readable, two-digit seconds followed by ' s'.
1 h 22 min 12 s
